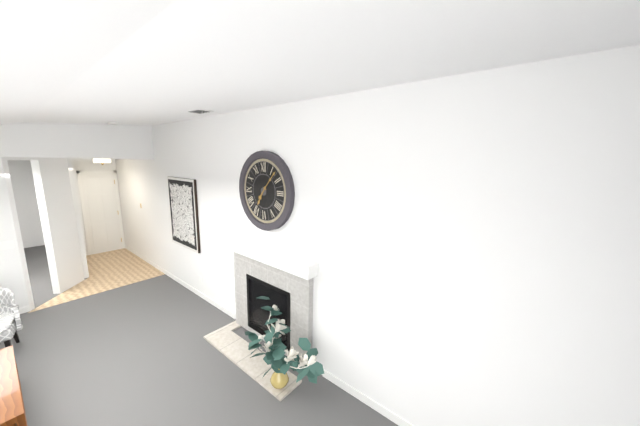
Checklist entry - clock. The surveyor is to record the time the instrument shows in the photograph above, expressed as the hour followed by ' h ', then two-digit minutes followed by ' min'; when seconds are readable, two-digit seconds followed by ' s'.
7 h 07 min
